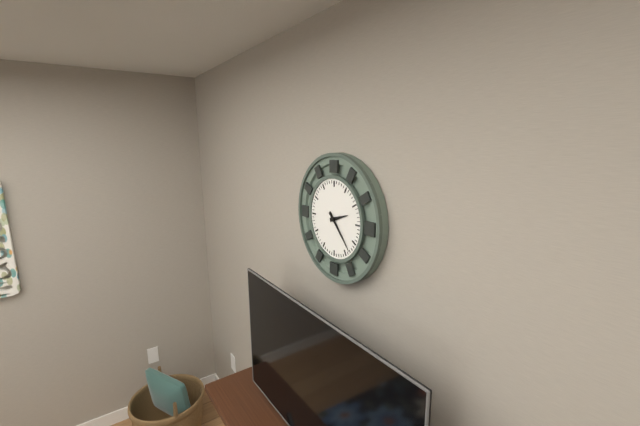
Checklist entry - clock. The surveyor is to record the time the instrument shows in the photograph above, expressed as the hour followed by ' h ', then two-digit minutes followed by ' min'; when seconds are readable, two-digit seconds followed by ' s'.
2 h 23 min
